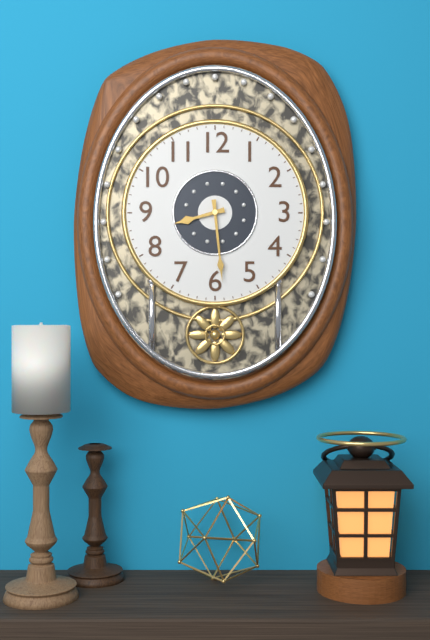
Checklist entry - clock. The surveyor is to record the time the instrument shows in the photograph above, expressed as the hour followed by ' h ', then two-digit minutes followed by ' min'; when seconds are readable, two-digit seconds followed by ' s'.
8 h 29 min
